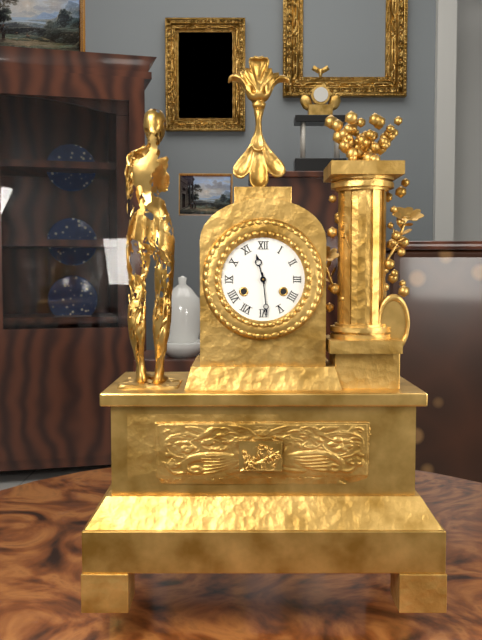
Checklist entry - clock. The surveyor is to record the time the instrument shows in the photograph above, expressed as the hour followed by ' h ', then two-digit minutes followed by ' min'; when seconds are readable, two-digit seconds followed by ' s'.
11 h 29 min
